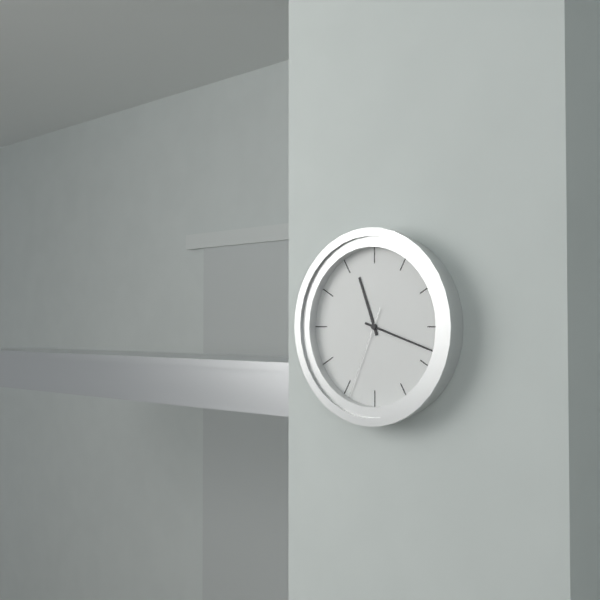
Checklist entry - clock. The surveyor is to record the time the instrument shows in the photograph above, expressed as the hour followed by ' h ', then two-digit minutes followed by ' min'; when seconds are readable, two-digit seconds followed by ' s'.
11 h 18 min 34 s
